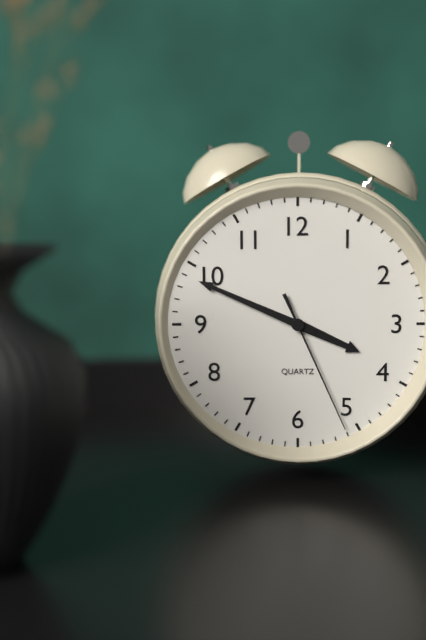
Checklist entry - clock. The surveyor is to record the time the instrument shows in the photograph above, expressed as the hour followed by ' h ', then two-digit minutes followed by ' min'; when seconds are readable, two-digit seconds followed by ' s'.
3 h 49 min 26 s
